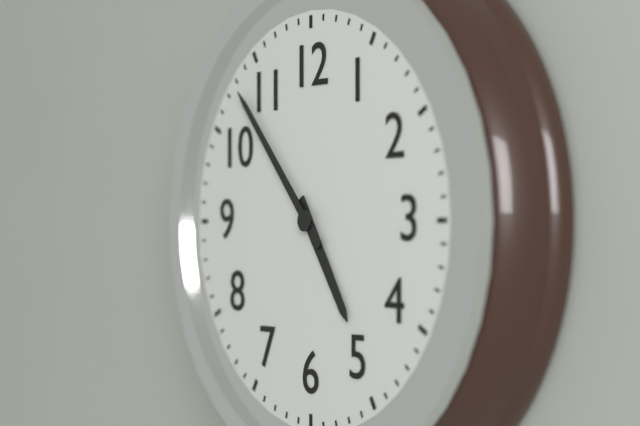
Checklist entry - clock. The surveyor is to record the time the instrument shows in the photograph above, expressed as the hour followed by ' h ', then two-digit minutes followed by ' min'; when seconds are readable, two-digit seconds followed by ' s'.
4 h 53 min
